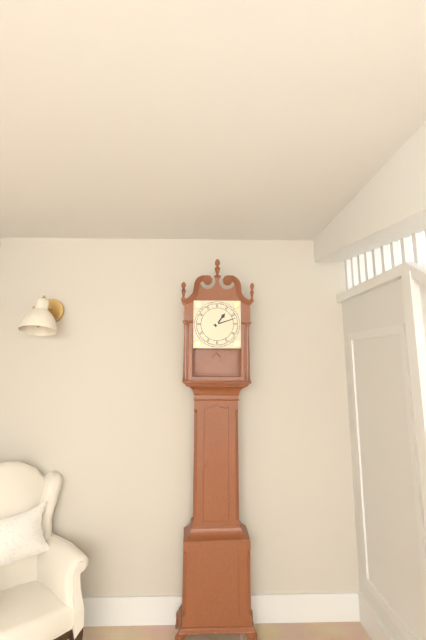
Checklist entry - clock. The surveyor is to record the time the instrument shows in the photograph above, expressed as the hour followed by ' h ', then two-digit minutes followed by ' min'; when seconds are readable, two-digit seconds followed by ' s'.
1 h 12 min
